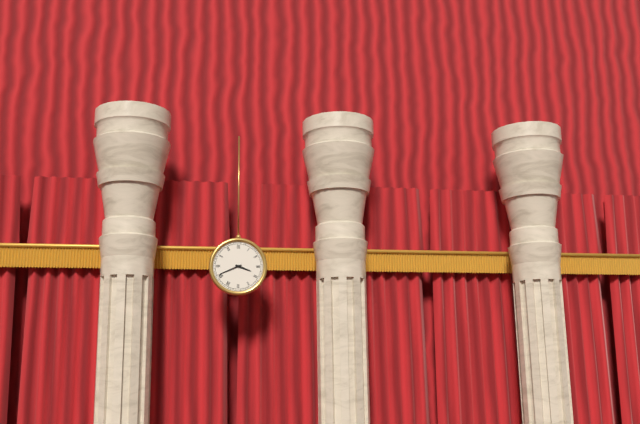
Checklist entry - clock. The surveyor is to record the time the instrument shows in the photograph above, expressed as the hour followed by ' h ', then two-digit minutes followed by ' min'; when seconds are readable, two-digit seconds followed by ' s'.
3 h 41 min
